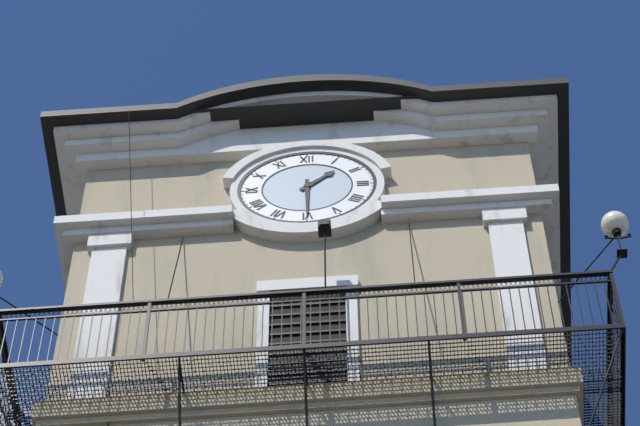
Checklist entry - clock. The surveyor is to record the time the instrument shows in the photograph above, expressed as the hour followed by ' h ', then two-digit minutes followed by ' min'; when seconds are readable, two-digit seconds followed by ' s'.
1 h 30 min
